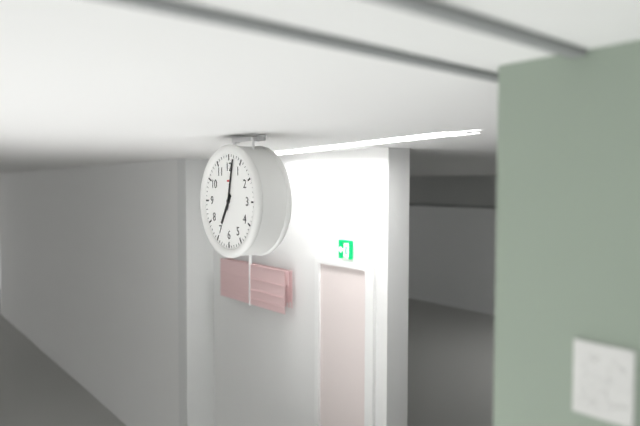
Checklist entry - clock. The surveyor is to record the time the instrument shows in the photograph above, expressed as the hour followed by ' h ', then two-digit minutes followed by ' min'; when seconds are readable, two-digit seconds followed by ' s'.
7 h 02 min
